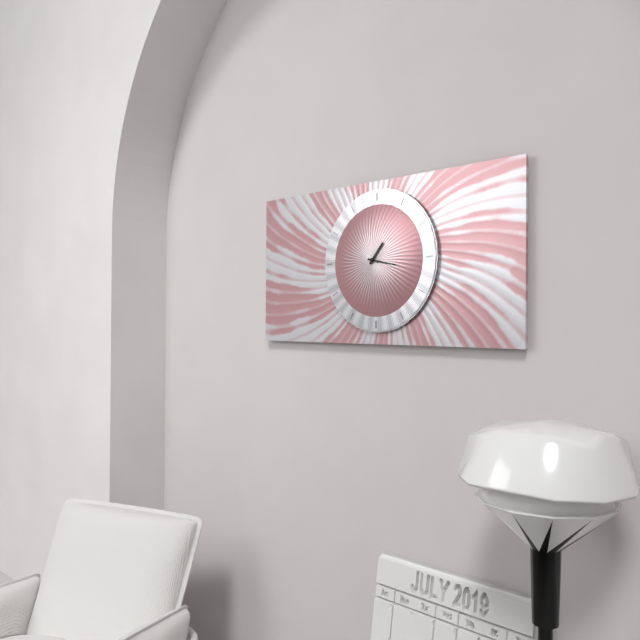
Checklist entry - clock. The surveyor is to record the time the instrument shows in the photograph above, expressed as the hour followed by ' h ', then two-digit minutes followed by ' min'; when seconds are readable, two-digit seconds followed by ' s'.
1 h 17 min
